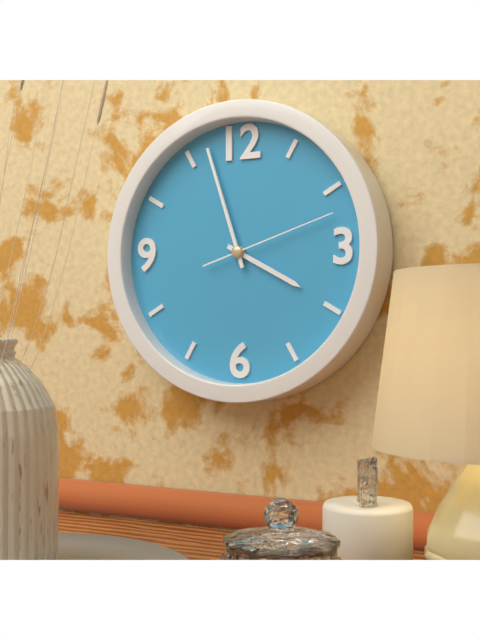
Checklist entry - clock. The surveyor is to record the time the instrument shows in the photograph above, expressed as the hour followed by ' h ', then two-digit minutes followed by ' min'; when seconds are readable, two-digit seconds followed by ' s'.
3 h 57 min 12 s
